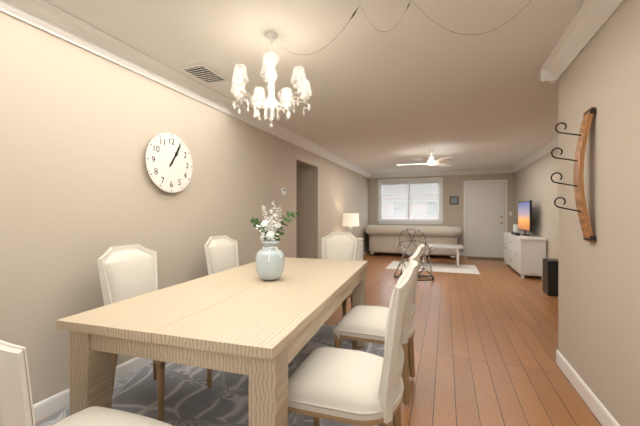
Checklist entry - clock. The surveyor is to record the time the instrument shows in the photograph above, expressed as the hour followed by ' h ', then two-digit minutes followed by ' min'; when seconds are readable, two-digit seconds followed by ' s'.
1 h 05 min
